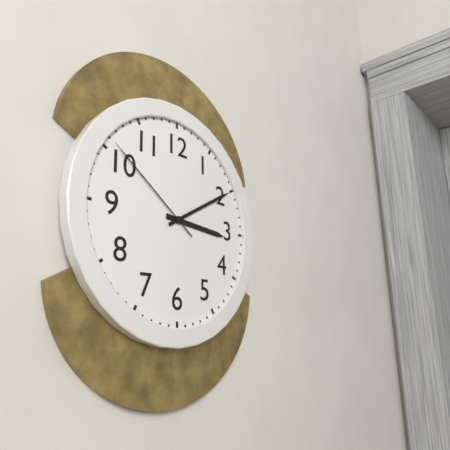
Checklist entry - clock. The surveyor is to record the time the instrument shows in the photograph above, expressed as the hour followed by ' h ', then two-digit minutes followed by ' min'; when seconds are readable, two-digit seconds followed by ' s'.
3 h 10 min 51 s
